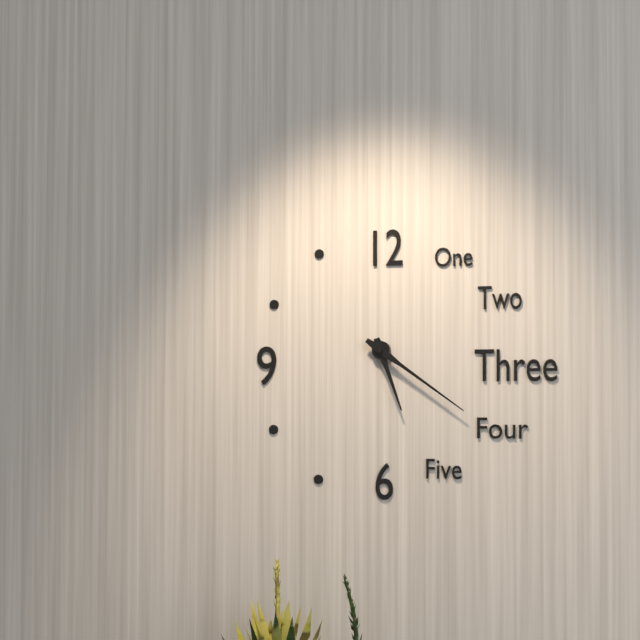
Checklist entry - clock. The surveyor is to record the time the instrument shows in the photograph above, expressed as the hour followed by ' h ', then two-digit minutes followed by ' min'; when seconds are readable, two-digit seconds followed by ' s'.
5 h 21 min
